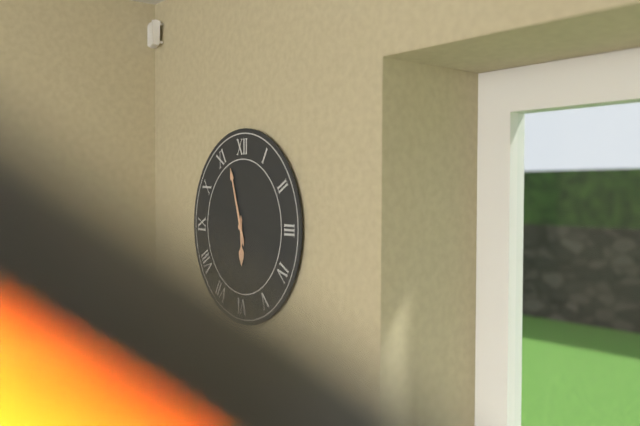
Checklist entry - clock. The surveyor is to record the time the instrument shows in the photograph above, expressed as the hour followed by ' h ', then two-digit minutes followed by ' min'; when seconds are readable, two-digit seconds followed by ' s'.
5 h 57 min
